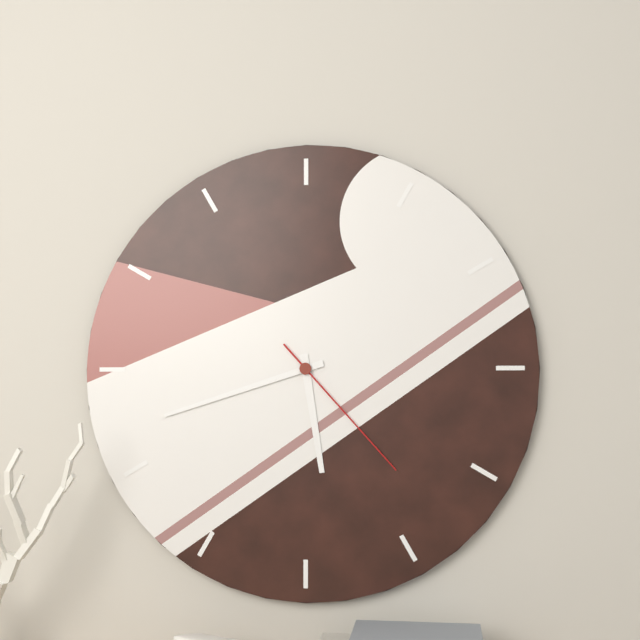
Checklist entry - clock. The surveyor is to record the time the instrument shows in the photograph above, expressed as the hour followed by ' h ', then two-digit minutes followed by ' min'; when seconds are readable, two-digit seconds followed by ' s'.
5 h 42 min 23 s
